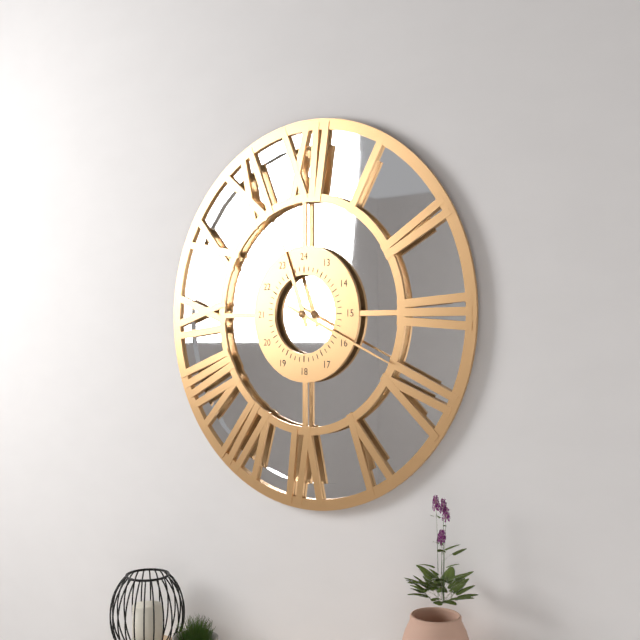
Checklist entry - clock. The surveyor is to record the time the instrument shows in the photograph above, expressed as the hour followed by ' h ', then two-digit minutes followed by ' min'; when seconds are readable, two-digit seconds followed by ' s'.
11 h 19 min
